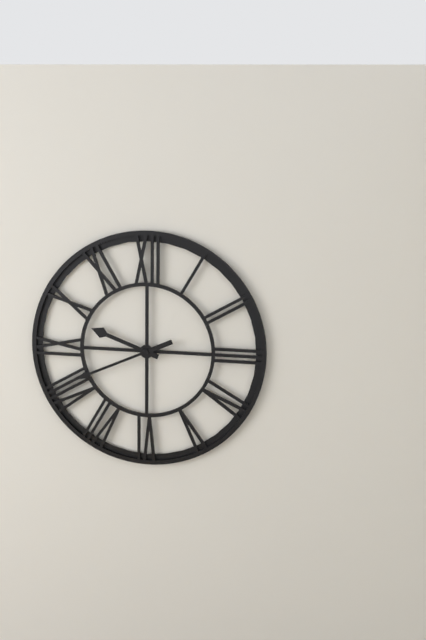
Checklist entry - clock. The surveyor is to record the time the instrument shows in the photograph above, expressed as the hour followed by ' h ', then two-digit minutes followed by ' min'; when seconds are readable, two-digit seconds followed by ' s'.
9 h 41 min
